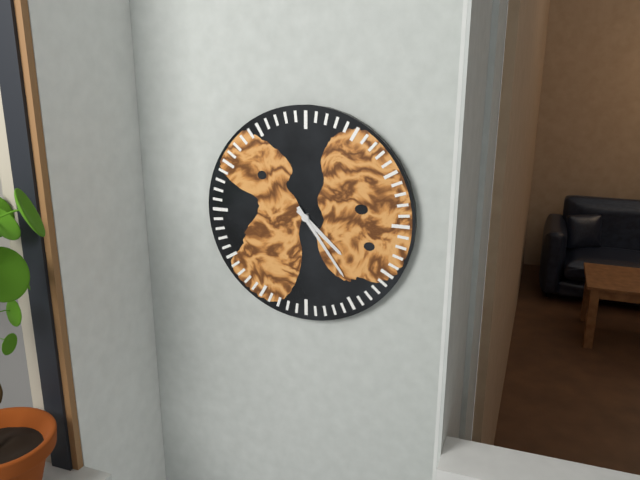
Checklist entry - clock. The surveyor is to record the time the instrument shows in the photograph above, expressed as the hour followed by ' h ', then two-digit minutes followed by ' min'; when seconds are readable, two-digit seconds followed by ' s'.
4 h 24 min
